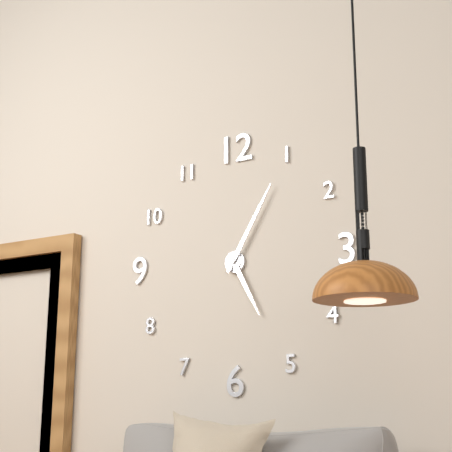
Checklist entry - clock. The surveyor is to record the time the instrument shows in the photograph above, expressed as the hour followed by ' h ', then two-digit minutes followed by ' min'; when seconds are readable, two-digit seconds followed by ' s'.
5 h 05 min
